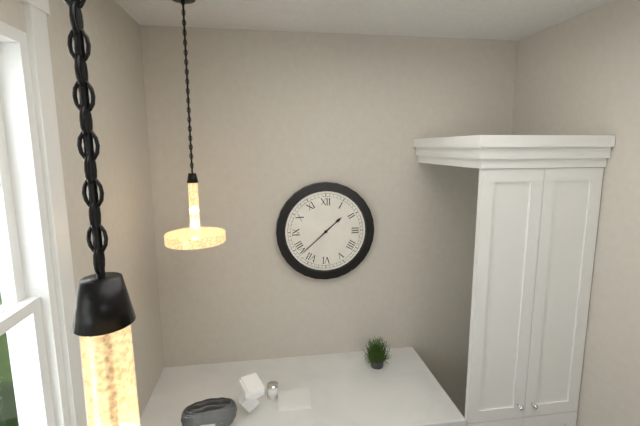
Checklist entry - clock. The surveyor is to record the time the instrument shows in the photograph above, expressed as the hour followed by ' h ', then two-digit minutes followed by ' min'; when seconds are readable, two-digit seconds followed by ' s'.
1 h 38 min
